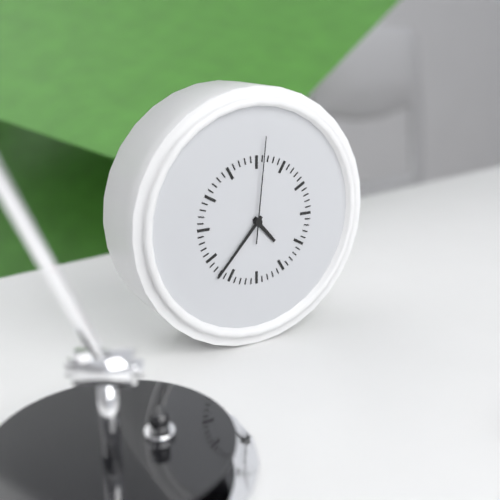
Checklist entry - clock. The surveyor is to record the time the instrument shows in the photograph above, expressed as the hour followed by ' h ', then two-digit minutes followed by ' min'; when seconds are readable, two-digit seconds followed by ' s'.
4 h 37 min 01 s
